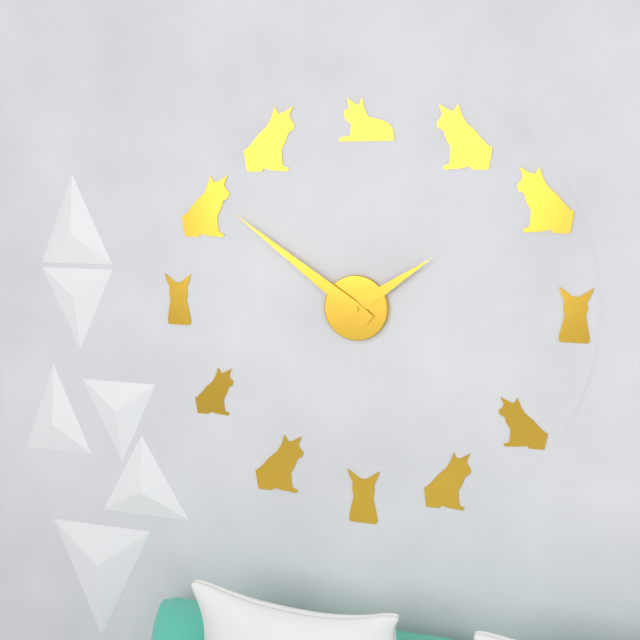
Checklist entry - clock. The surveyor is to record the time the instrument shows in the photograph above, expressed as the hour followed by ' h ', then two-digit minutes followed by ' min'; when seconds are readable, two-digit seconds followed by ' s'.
1 h 51 min
